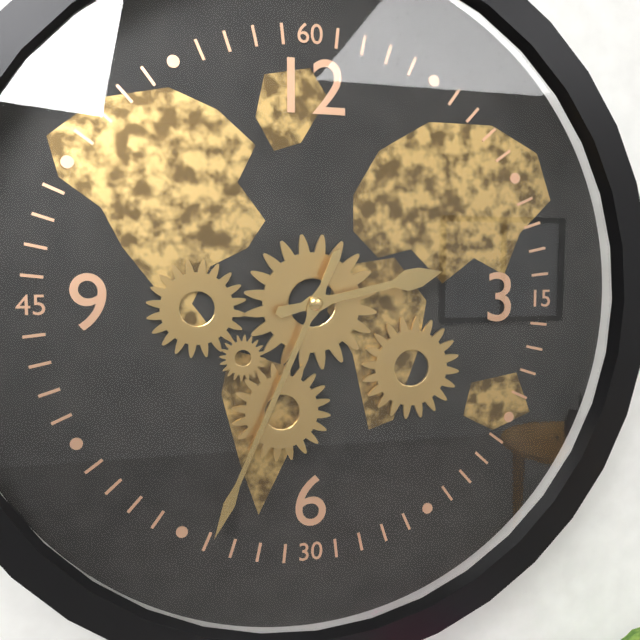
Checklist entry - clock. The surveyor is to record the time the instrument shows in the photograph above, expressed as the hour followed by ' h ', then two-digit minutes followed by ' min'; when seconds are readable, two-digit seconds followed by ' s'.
2 h 34 min
